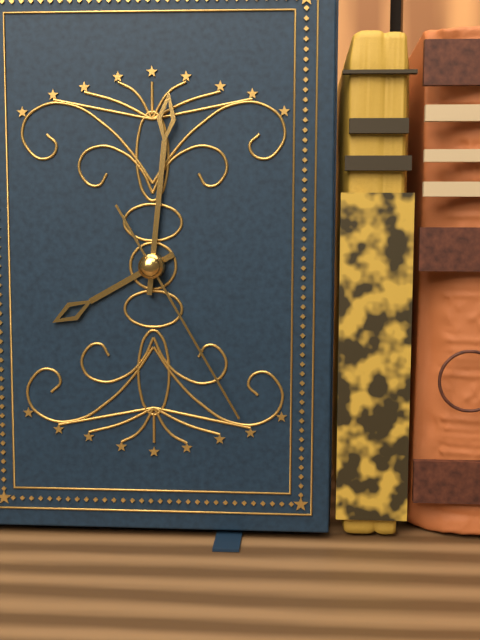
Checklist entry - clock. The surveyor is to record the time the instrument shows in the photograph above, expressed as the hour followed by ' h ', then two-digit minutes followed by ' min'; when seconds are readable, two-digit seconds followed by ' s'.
8 h 01 min 25 s
